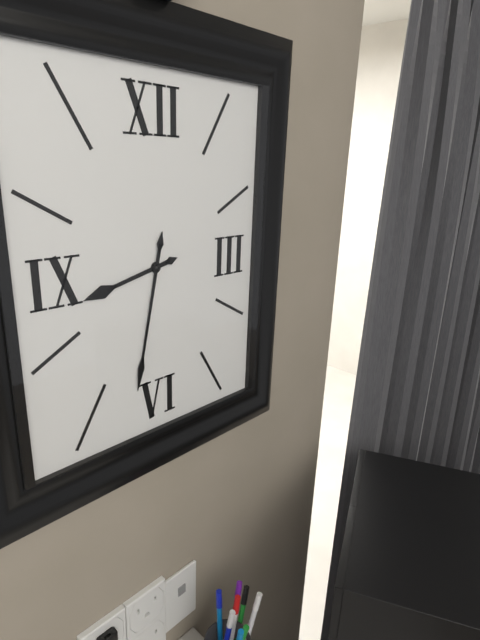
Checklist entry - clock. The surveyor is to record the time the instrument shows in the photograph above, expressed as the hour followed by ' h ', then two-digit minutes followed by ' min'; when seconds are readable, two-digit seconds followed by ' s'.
8 h 32 min
